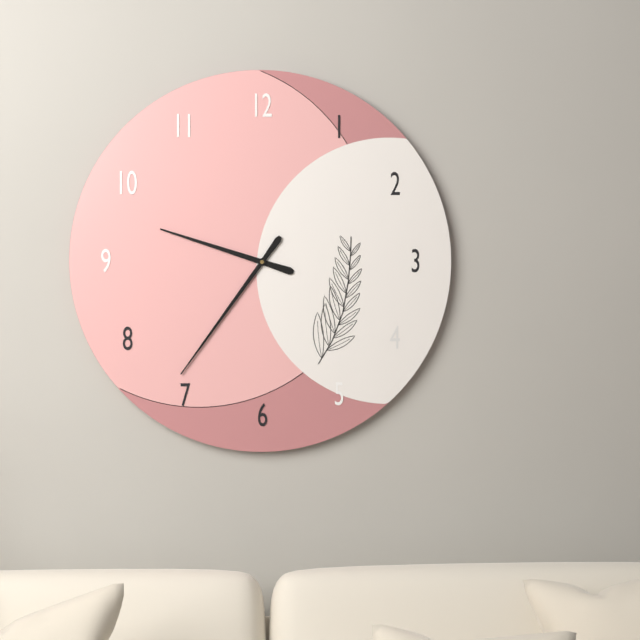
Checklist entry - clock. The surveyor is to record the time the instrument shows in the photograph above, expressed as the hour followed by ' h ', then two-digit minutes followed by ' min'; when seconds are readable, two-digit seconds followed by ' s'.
9 h 36 min
